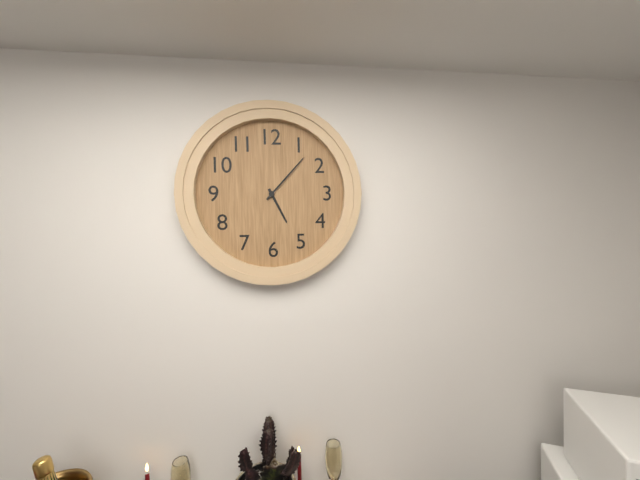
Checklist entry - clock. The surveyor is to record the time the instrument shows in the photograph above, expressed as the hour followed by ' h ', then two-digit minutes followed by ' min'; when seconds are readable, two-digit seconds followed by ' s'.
5 h 07 min
